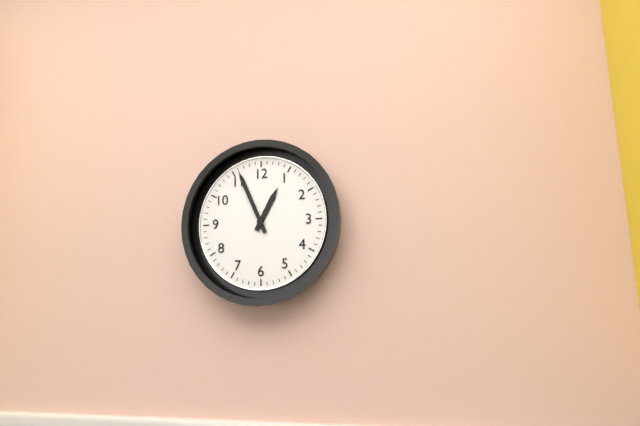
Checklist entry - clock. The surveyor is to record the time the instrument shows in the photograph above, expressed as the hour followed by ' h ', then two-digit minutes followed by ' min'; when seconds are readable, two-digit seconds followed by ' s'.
12 h 56 min
